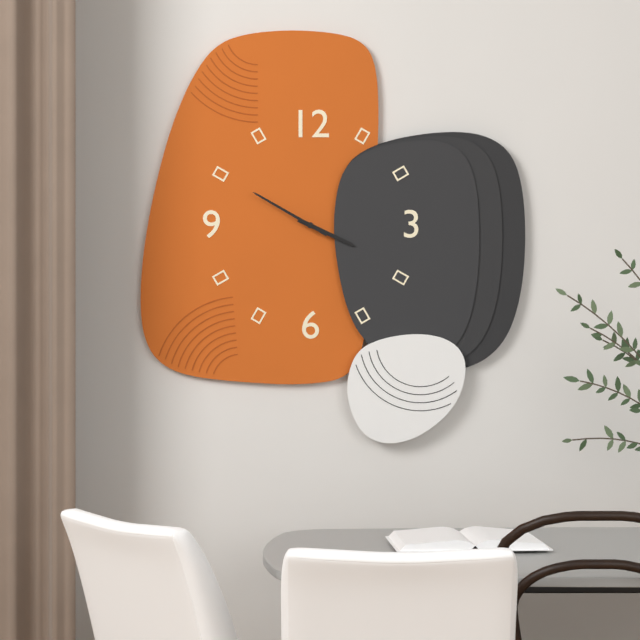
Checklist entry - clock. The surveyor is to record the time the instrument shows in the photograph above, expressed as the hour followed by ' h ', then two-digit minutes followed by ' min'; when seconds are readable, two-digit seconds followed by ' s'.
3 h 50 min
